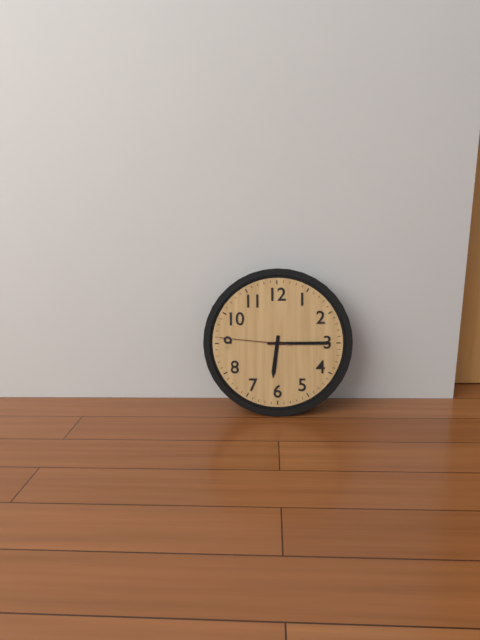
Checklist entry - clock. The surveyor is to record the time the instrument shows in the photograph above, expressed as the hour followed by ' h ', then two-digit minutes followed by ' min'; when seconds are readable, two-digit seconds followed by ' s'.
6 h 15 min 46 s
